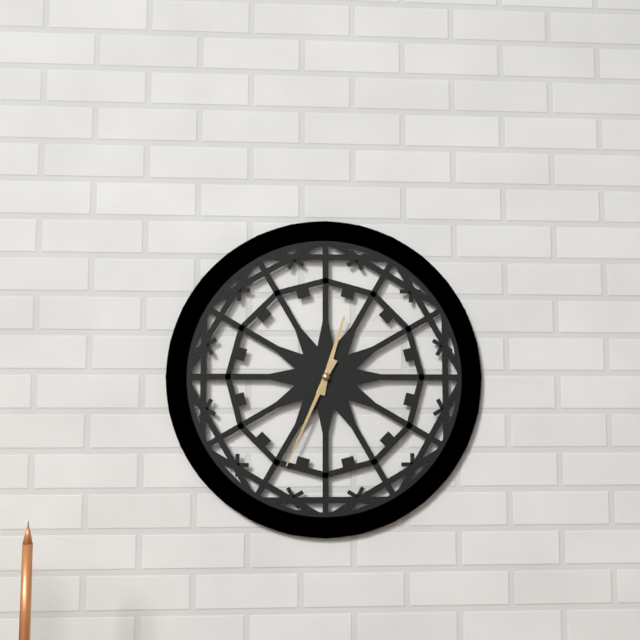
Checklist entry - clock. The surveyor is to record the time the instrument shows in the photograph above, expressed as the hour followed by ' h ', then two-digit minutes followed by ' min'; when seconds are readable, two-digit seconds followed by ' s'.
12 h 34 min
